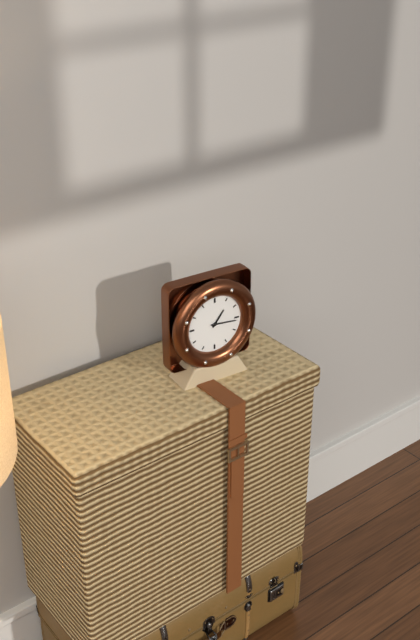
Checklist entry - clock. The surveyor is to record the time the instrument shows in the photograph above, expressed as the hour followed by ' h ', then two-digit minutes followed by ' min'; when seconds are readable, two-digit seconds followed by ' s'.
1 h 16 min
